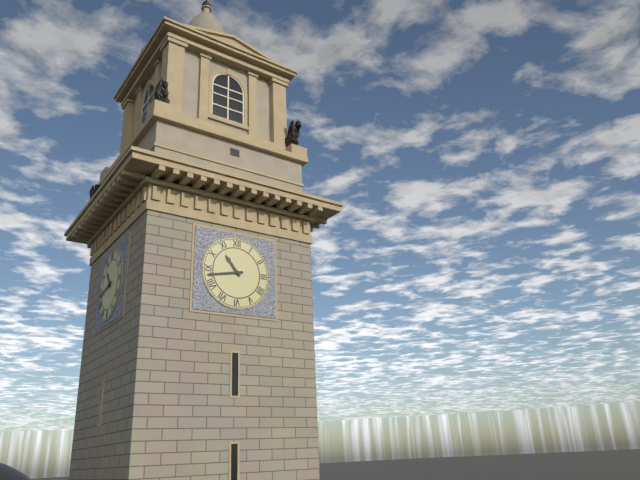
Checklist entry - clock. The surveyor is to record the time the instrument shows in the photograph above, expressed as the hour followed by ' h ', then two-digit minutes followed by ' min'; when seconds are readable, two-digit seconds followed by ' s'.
10 h 43 min
